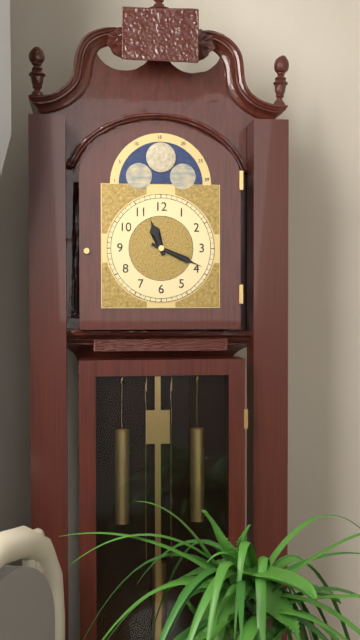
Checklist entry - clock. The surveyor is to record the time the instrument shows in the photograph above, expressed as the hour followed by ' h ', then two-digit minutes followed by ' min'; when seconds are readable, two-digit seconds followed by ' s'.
11 h 19 min
